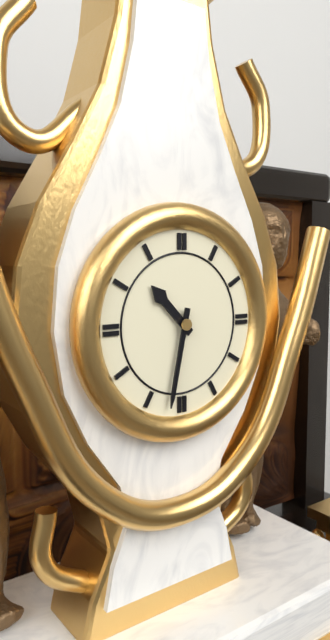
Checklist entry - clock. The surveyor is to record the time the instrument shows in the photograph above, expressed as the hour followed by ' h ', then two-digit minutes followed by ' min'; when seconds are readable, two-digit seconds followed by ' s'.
10 h 32 min
